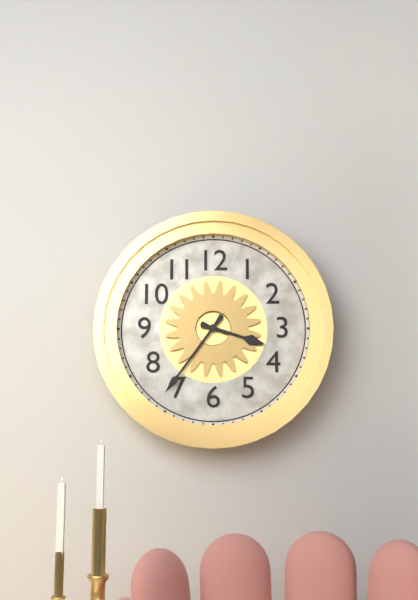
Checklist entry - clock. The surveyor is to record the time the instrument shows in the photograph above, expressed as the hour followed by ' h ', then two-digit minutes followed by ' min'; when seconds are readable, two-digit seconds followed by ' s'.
3 h 36 min
